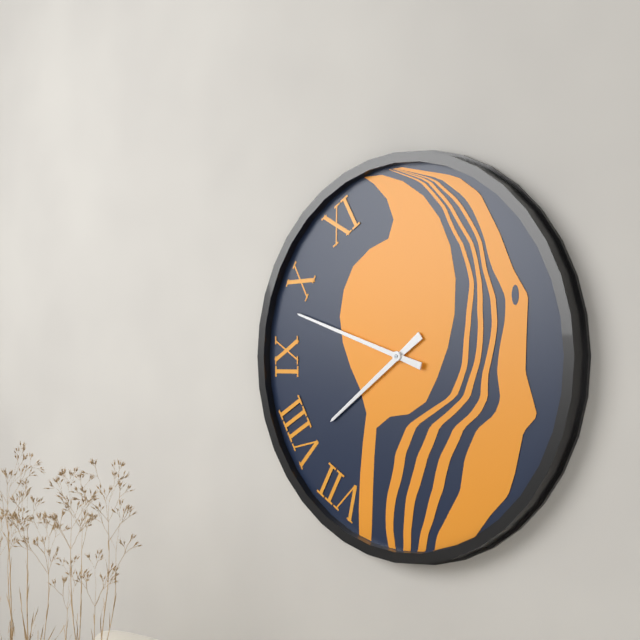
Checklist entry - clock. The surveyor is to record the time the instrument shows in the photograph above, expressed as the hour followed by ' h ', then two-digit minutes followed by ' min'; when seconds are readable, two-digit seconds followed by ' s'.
7 h 48 min
